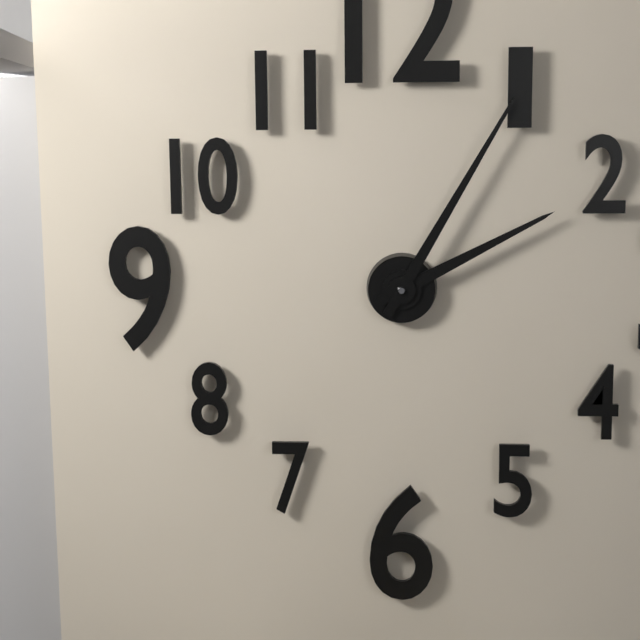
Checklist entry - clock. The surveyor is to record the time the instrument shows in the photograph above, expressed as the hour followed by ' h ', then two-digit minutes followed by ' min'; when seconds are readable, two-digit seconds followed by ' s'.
2 h 05 min
